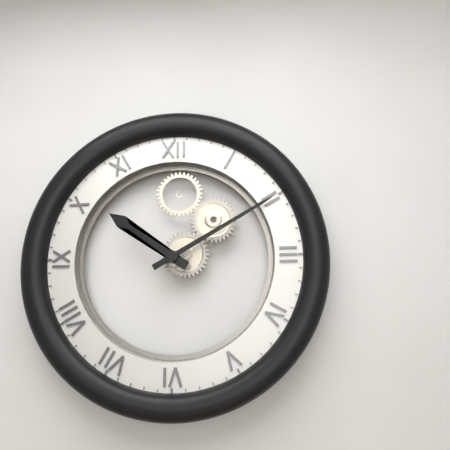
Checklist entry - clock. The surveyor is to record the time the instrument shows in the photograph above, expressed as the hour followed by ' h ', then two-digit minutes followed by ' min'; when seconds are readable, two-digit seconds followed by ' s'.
10 h 10 min
